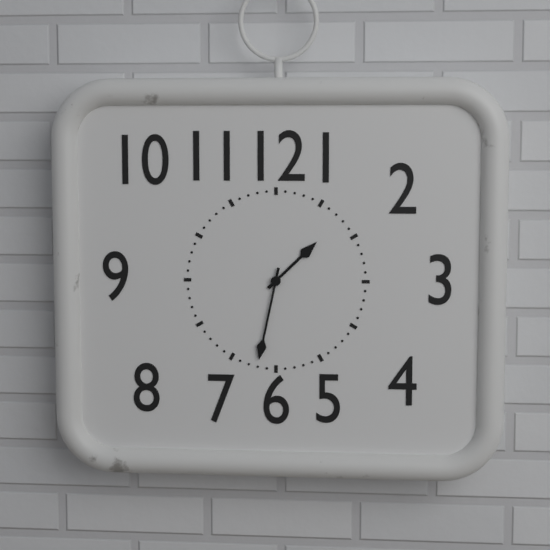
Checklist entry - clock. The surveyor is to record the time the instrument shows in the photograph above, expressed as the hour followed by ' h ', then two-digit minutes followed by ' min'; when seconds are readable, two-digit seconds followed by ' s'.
1 h 32 min
